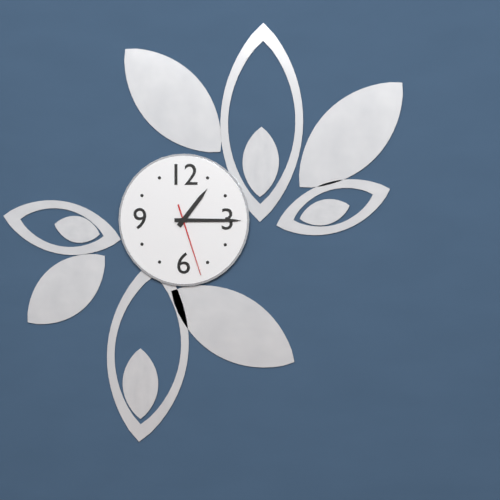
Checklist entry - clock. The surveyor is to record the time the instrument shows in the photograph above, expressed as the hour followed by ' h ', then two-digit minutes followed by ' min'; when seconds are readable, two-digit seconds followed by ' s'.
1 h 15 min 27 s
